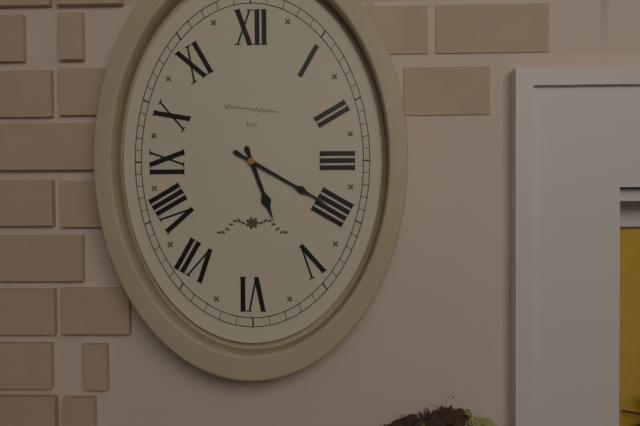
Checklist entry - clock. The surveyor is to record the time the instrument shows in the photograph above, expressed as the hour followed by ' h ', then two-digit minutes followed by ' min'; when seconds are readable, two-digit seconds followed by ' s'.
5 h 20 min
